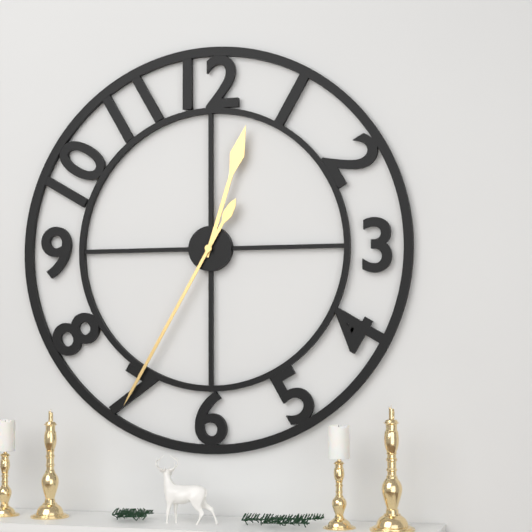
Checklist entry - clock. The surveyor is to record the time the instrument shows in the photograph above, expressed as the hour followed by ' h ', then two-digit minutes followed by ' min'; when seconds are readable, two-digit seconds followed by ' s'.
12 h 35 min
